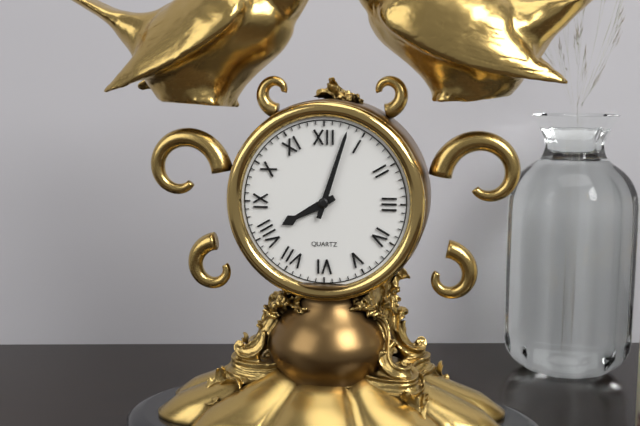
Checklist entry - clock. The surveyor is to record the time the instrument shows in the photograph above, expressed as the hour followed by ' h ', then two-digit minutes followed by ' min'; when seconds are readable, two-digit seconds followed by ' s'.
8 h 03 min
